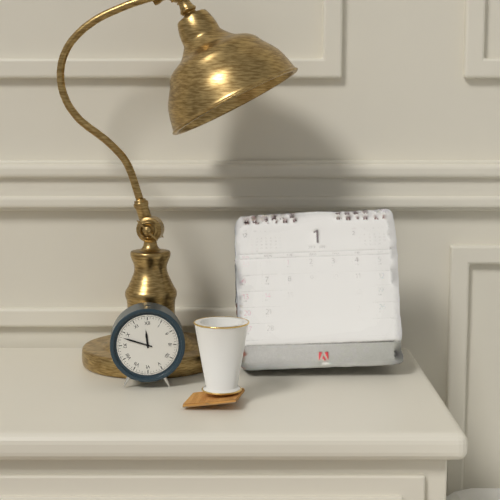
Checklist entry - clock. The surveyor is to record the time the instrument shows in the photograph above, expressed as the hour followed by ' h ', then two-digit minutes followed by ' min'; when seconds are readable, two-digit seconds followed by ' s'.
11 h 48 min
